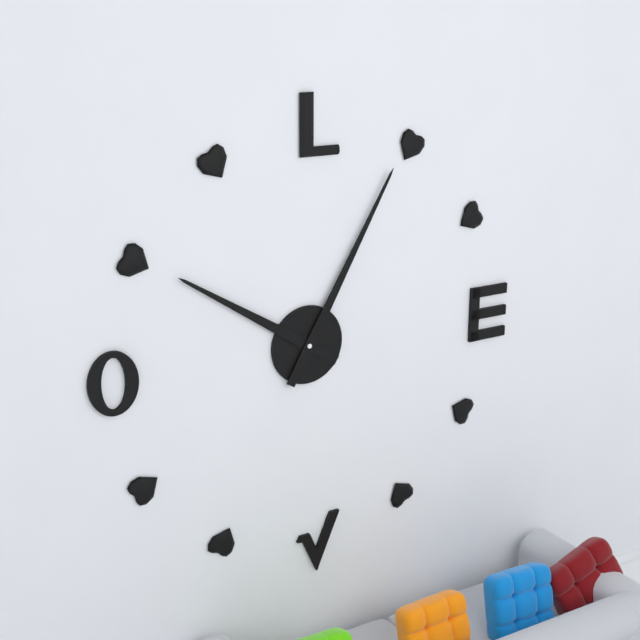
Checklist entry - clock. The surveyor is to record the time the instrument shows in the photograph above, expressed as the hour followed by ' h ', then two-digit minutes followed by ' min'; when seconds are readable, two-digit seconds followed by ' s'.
10 h 05 min
